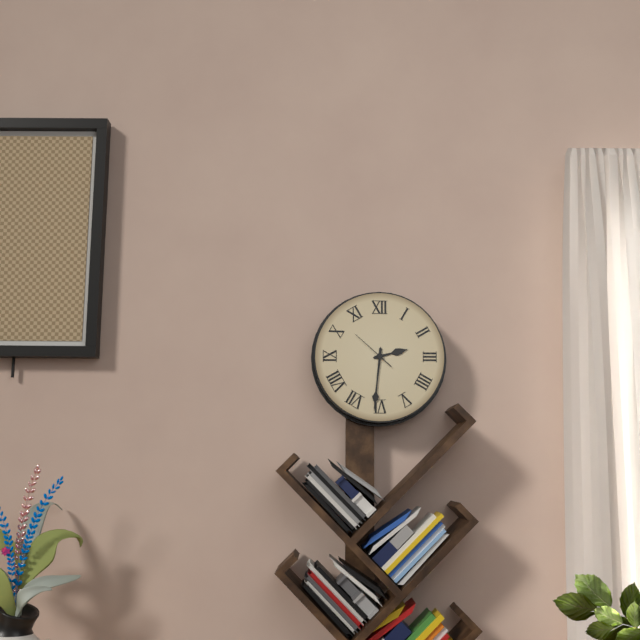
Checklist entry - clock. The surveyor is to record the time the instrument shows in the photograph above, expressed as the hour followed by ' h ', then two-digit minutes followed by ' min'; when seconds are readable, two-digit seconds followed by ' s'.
2 h 31 min
